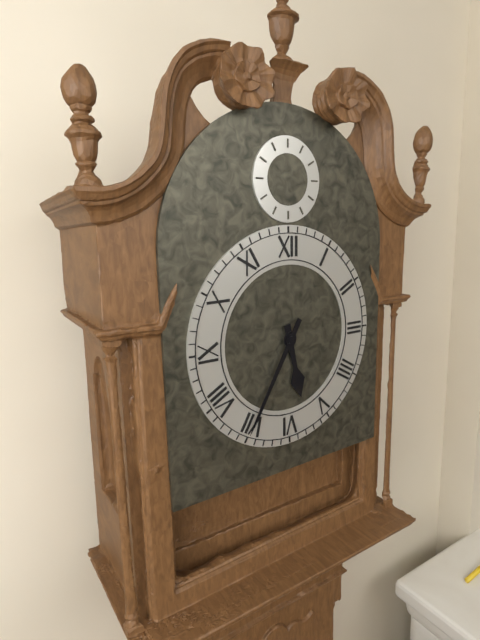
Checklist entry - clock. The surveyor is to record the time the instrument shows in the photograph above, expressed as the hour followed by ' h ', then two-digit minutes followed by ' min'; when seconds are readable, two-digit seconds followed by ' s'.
5 h 35 min
